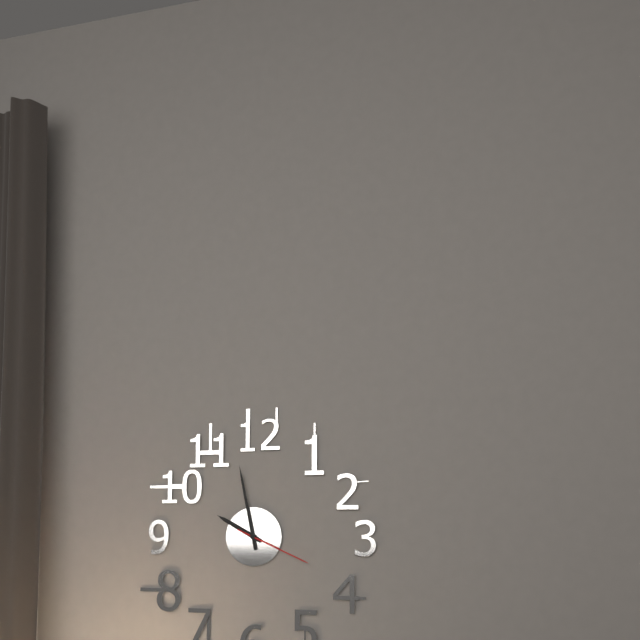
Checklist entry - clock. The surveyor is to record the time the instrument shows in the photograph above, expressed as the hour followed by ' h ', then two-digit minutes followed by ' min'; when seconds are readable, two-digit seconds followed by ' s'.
9 h 58 min 19 s
